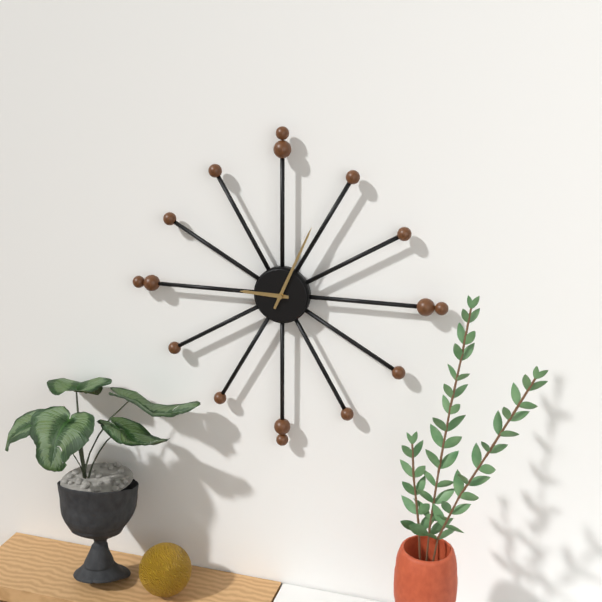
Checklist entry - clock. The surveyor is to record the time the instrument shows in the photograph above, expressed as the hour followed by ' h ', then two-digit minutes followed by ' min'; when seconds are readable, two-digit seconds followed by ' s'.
9 h 04 min
